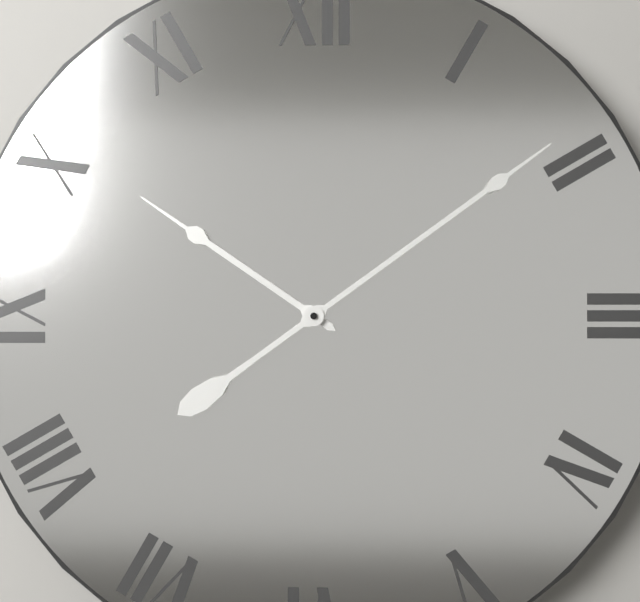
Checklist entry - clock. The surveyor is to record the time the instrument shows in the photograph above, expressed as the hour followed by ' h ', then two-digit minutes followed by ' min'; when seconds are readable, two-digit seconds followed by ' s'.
10 h 09 min
